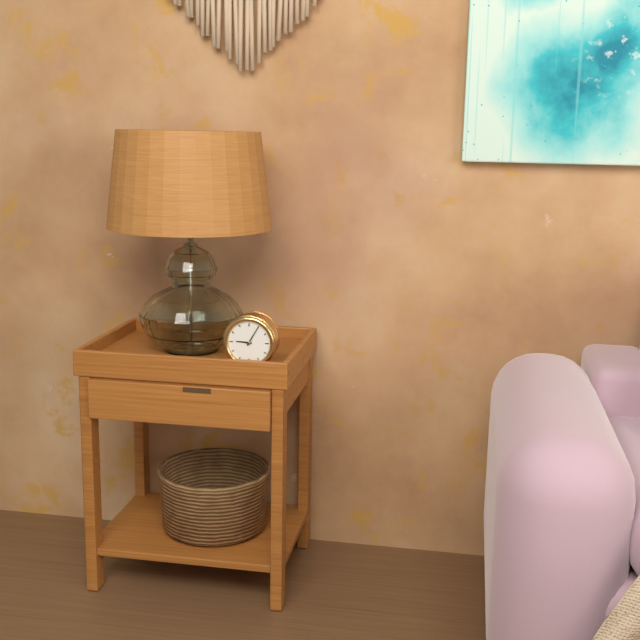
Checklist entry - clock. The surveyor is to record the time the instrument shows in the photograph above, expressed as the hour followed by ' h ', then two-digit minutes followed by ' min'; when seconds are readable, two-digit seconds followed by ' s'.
9 h 05 min
